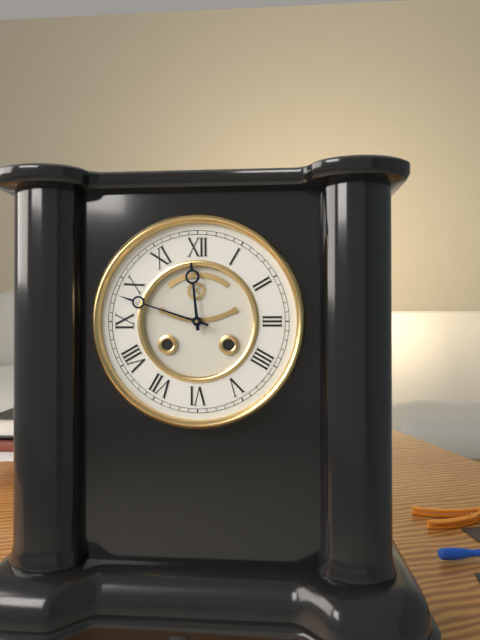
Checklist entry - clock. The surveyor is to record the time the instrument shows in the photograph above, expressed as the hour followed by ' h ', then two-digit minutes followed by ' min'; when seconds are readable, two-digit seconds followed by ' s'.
11 h 48 min
